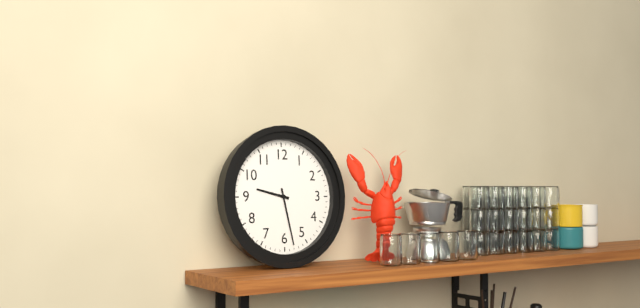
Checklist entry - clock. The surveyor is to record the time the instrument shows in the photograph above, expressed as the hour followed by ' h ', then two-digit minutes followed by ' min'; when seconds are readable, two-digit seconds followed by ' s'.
9 h 28 min
